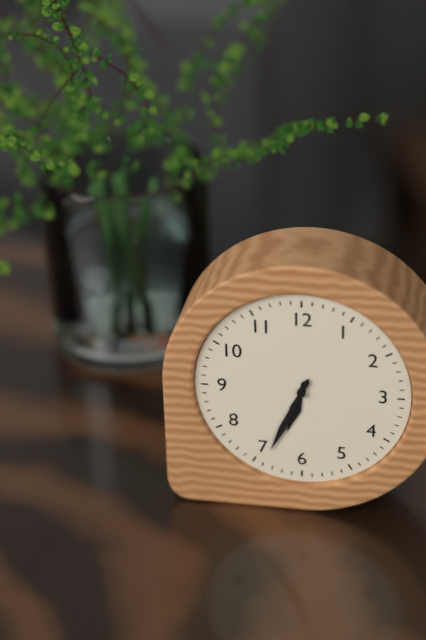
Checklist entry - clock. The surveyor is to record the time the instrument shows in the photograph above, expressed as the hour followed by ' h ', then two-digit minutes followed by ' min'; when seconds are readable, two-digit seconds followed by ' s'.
6 h 34 min
